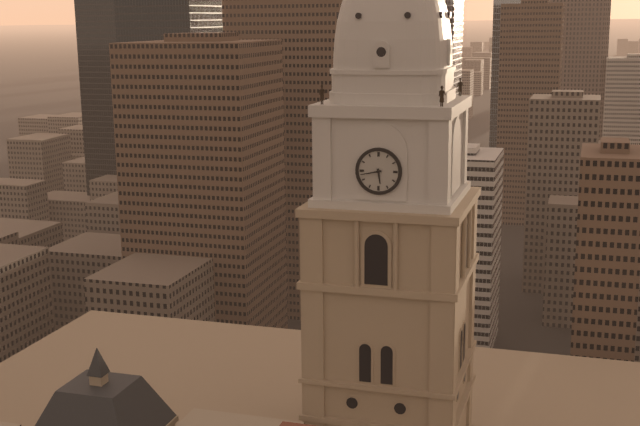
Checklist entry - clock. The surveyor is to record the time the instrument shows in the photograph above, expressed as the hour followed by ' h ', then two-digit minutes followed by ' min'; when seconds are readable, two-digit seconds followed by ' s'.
5 h 43 min
